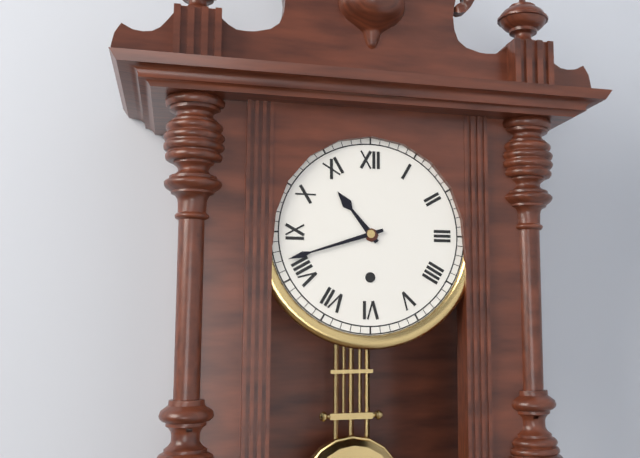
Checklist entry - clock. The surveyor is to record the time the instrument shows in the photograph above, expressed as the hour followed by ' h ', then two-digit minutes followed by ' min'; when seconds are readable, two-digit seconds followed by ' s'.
10 h 42 min
